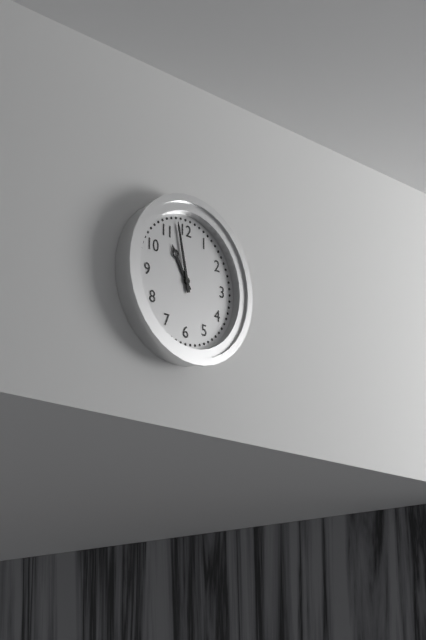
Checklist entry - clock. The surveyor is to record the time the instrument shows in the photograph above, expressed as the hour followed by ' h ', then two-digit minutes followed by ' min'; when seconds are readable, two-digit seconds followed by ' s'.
10 h 58 min
